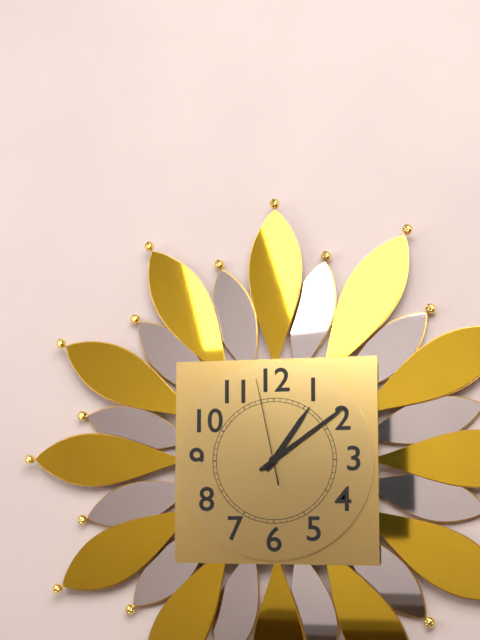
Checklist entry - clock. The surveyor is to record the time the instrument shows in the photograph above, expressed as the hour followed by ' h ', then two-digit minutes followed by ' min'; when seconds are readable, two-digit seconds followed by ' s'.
1 h 09 min 58 s
